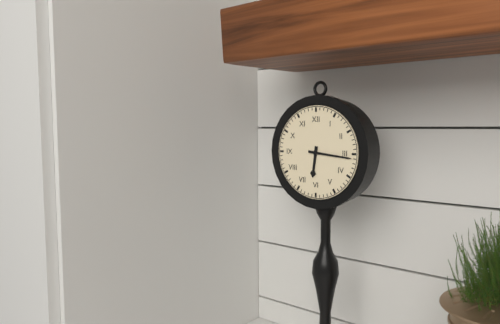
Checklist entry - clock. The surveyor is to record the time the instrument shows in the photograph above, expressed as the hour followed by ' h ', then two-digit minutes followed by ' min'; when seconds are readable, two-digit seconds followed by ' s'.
6 h 16 min
